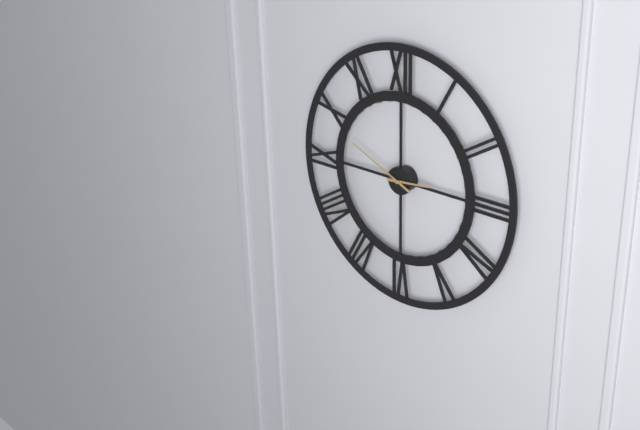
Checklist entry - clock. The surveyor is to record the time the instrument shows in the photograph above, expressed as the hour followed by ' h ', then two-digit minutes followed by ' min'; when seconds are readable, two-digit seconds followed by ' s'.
2 h 49 min
